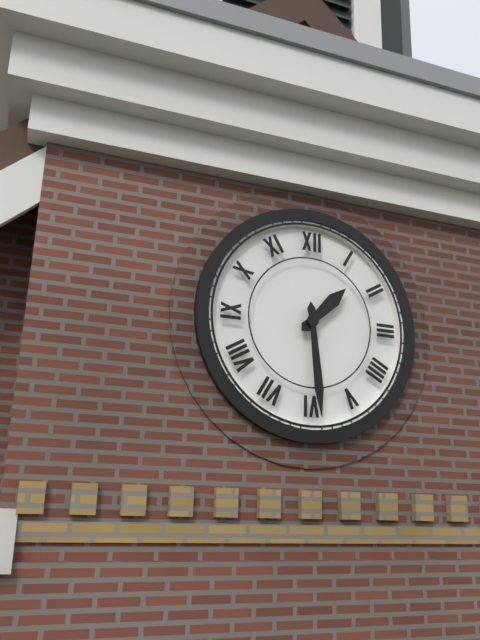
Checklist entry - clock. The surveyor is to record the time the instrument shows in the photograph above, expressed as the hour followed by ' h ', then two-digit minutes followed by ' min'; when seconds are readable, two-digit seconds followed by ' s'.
1 h 29 min
